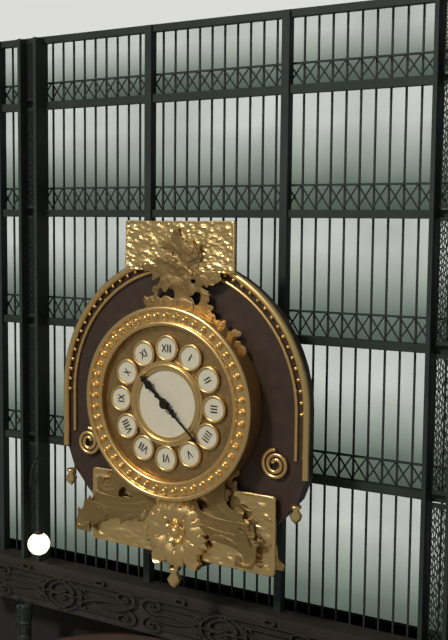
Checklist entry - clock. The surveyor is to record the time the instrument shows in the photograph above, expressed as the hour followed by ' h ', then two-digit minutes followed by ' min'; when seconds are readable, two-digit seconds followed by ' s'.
10 h 22 min
